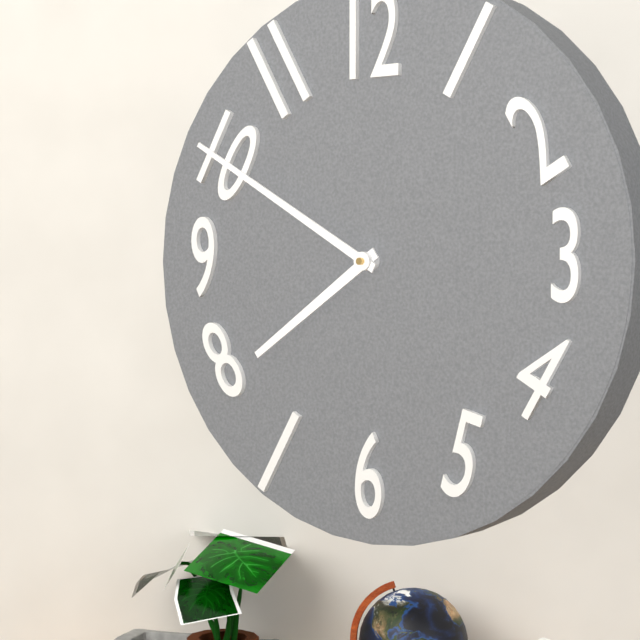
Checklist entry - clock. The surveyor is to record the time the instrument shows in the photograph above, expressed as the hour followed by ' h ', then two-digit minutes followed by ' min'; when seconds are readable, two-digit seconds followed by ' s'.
7 h 50 min
